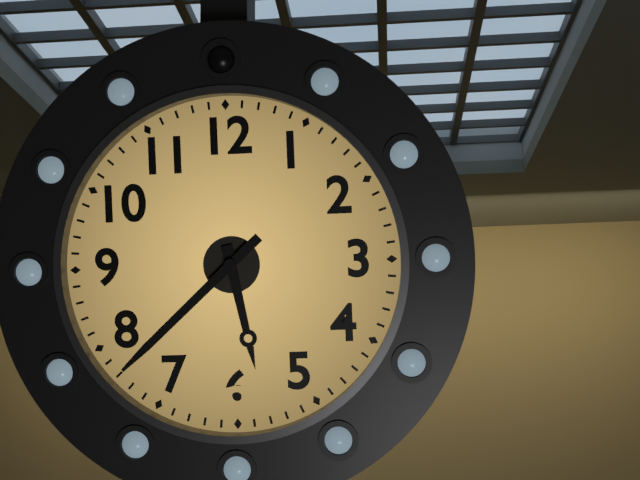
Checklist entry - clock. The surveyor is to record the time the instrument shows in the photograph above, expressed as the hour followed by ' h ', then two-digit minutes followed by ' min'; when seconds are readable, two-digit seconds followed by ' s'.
5 h 38 min
